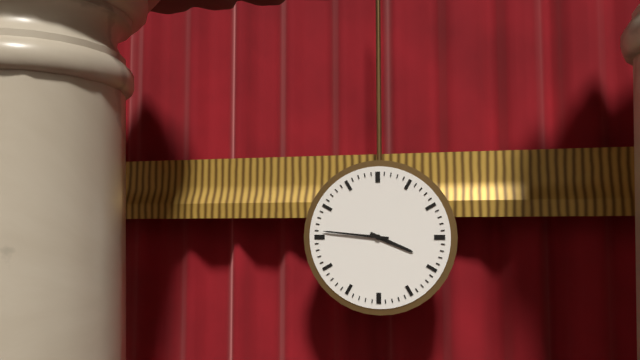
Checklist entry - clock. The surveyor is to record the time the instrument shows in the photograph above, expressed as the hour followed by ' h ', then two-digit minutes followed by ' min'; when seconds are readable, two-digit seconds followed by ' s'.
3 h 46 min
